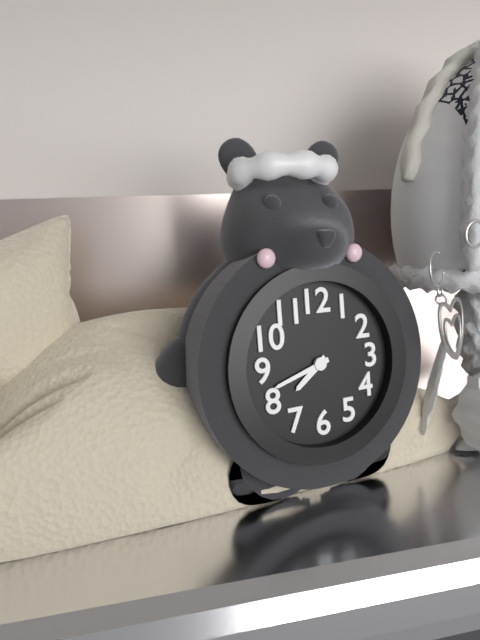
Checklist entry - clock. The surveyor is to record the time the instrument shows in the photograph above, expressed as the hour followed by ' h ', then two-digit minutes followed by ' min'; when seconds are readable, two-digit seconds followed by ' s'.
7 h 42 min
